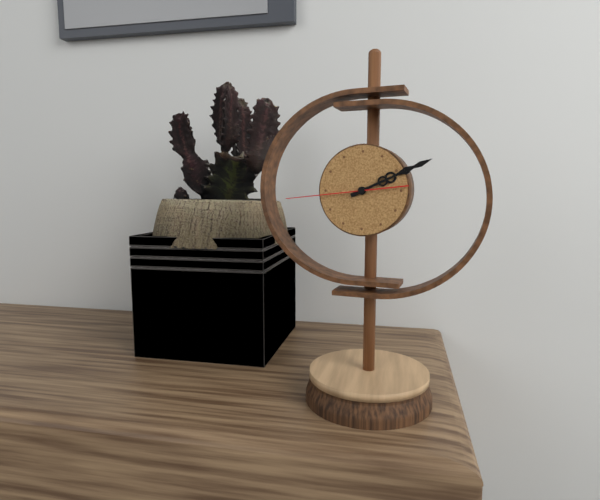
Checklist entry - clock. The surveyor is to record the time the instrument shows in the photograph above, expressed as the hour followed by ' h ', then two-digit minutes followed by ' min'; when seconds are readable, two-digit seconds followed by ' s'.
2 h 11 min 44 s
